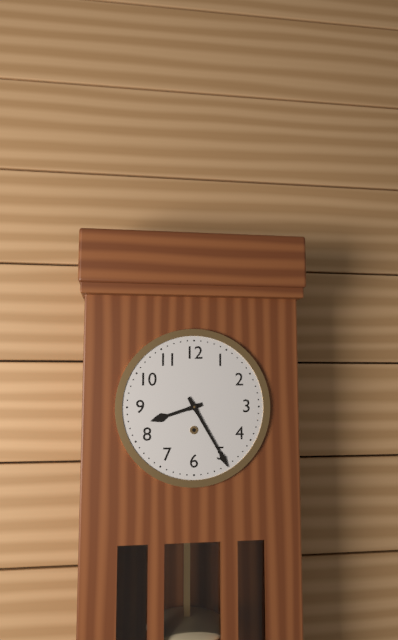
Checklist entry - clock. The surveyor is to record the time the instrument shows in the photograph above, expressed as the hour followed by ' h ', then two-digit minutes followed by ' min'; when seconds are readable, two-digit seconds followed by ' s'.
8 h 25 min
